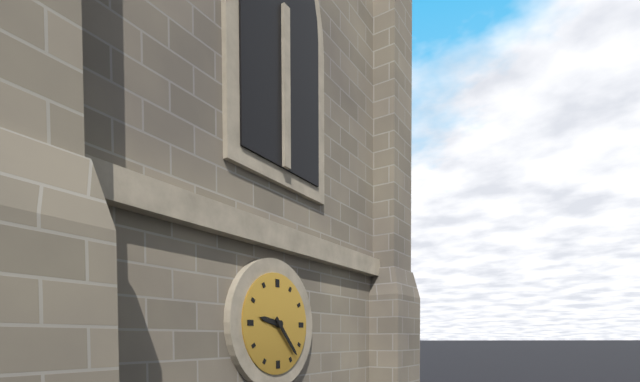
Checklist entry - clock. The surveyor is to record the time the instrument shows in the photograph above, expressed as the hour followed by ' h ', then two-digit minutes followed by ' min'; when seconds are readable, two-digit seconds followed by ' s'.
9 h 23 min
